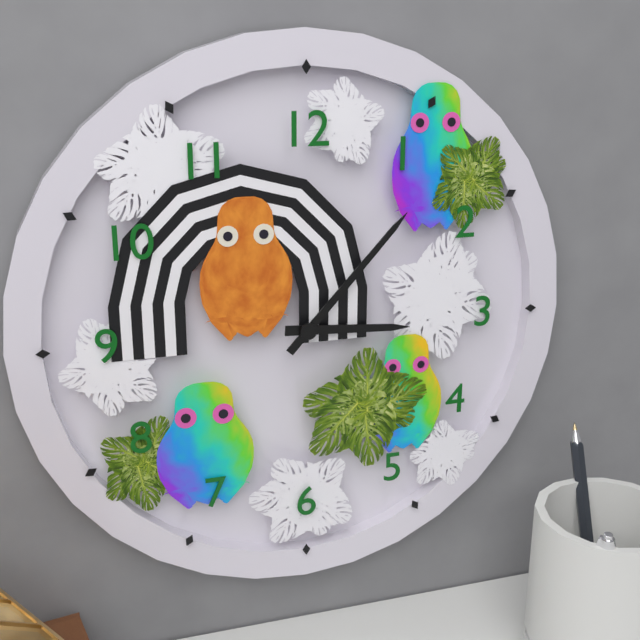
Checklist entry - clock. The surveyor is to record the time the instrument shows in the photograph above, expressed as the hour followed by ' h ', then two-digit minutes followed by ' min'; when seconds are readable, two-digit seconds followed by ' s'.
3 h 07 min
